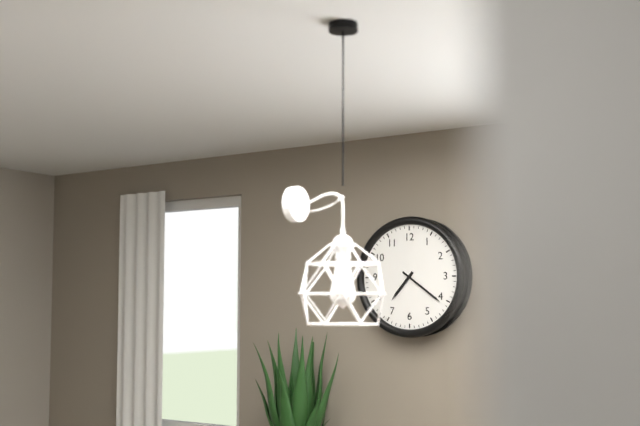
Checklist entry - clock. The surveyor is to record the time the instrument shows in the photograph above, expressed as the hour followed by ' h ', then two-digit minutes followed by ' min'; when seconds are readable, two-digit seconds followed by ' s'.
7 h 21 min
